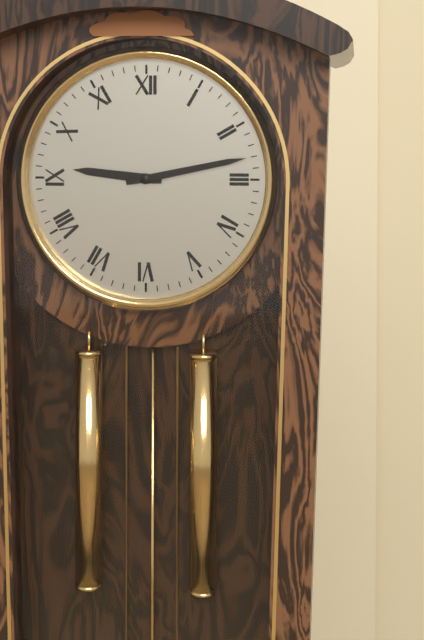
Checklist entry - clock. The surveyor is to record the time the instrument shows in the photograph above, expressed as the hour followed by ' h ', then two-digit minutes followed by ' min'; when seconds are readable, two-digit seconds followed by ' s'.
9 h 13 min
